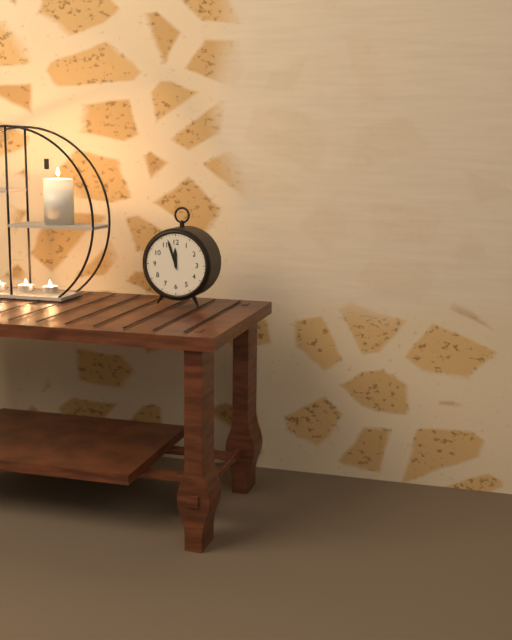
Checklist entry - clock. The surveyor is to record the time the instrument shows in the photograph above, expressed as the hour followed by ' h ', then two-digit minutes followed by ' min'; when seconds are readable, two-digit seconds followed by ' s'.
11 h 57 min
